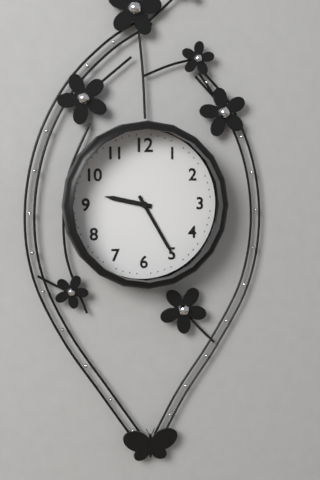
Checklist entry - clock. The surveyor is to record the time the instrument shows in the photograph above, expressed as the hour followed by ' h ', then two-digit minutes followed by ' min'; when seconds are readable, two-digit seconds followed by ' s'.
9 h 25 min
